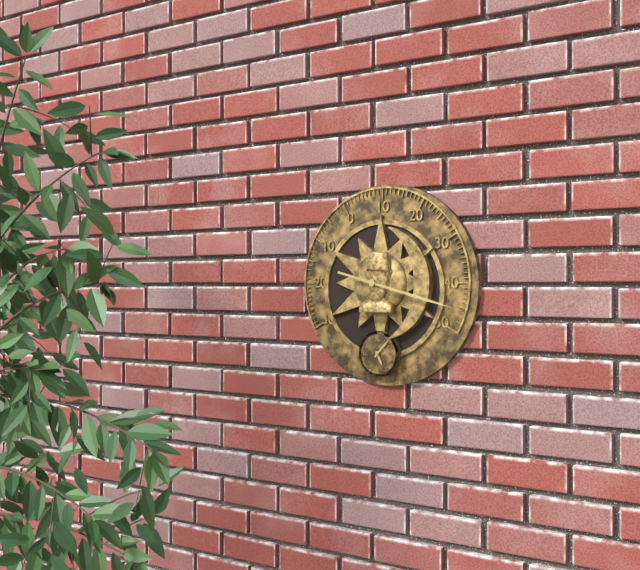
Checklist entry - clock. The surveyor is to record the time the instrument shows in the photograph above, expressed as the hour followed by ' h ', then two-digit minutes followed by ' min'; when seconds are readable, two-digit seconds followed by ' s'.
5 h 07 min
